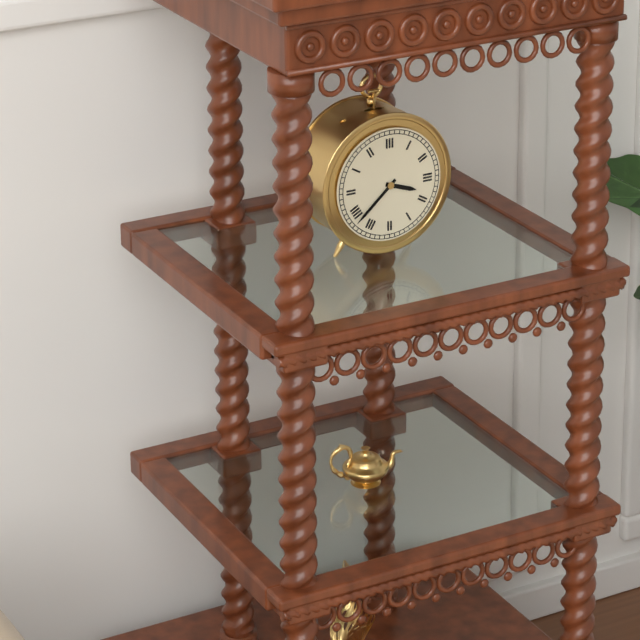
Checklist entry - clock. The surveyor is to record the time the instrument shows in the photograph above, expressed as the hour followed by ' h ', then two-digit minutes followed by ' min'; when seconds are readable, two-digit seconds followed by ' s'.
3 h 38 min
